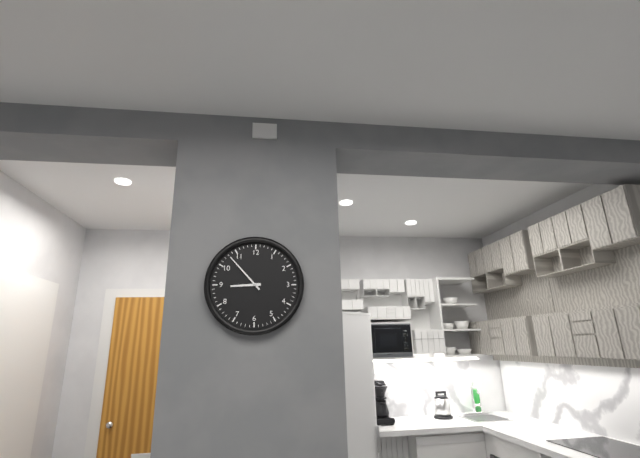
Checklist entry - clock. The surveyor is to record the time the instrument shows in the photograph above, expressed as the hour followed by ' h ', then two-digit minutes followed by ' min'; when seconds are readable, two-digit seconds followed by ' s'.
8 h 53 min
